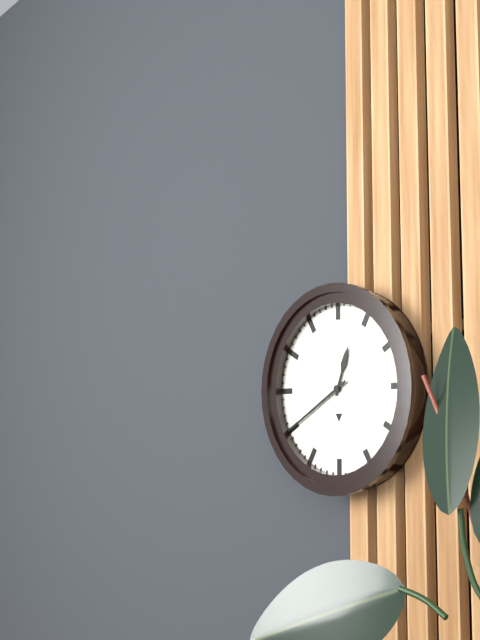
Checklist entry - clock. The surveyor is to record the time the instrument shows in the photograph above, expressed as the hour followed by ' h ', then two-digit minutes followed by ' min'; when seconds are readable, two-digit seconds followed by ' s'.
12 h 40 min
